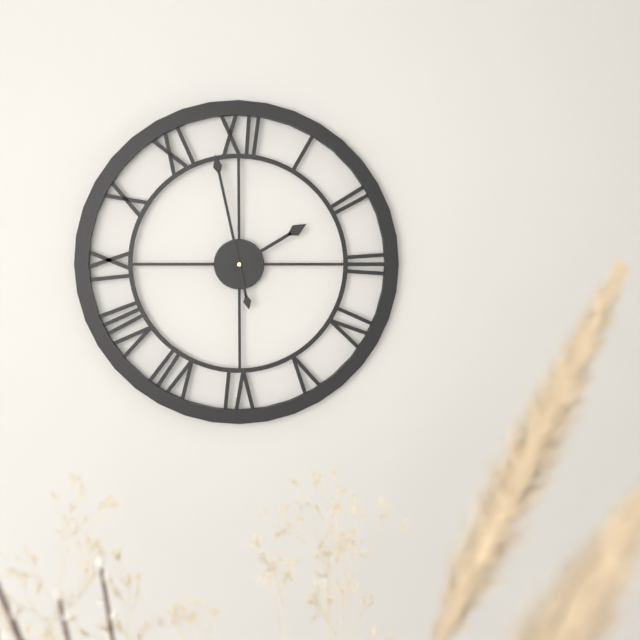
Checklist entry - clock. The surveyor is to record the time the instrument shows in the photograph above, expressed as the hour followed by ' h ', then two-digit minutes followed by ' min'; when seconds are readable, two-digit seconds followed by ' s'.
1 h 58 min
